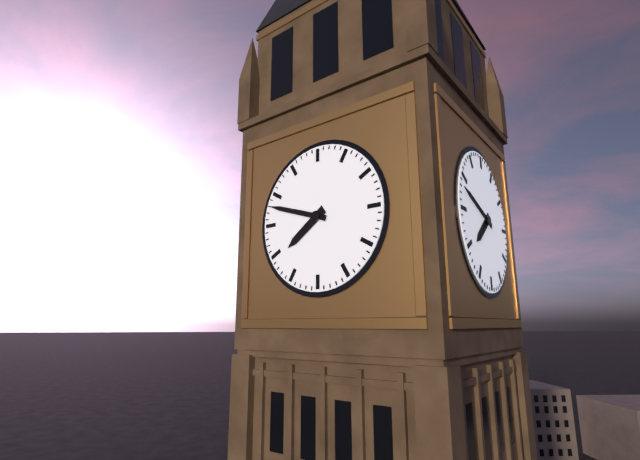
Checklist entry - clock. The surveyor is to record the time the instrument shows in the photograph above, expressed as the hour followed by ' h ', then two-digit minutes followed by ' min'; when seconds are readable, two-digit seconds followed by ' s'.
7 h 48 min
